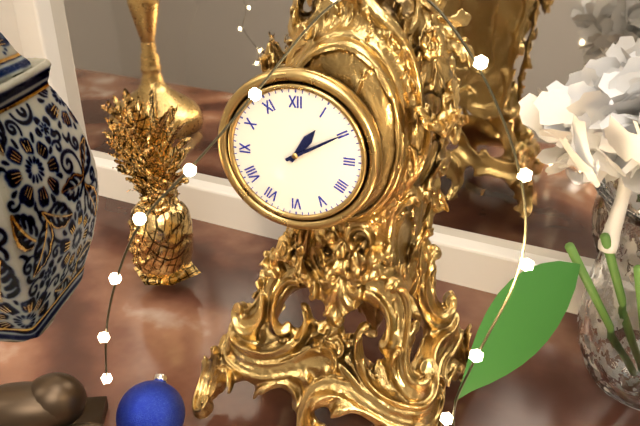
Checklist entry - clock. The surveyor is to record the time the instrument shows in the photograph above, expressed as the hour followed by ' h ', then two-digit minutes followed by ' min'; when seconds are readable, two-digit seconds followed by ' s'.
1 h 10 min
